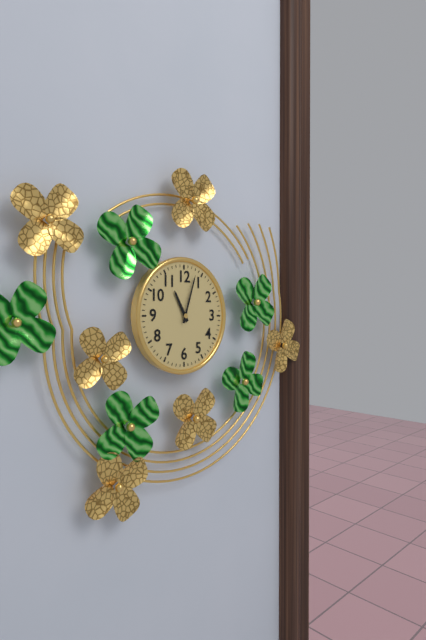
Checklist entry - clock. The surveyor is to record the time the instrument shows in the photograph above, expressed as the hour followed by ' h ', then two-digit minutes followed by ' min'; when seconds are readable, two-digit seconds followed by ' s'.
11 h 03 min
